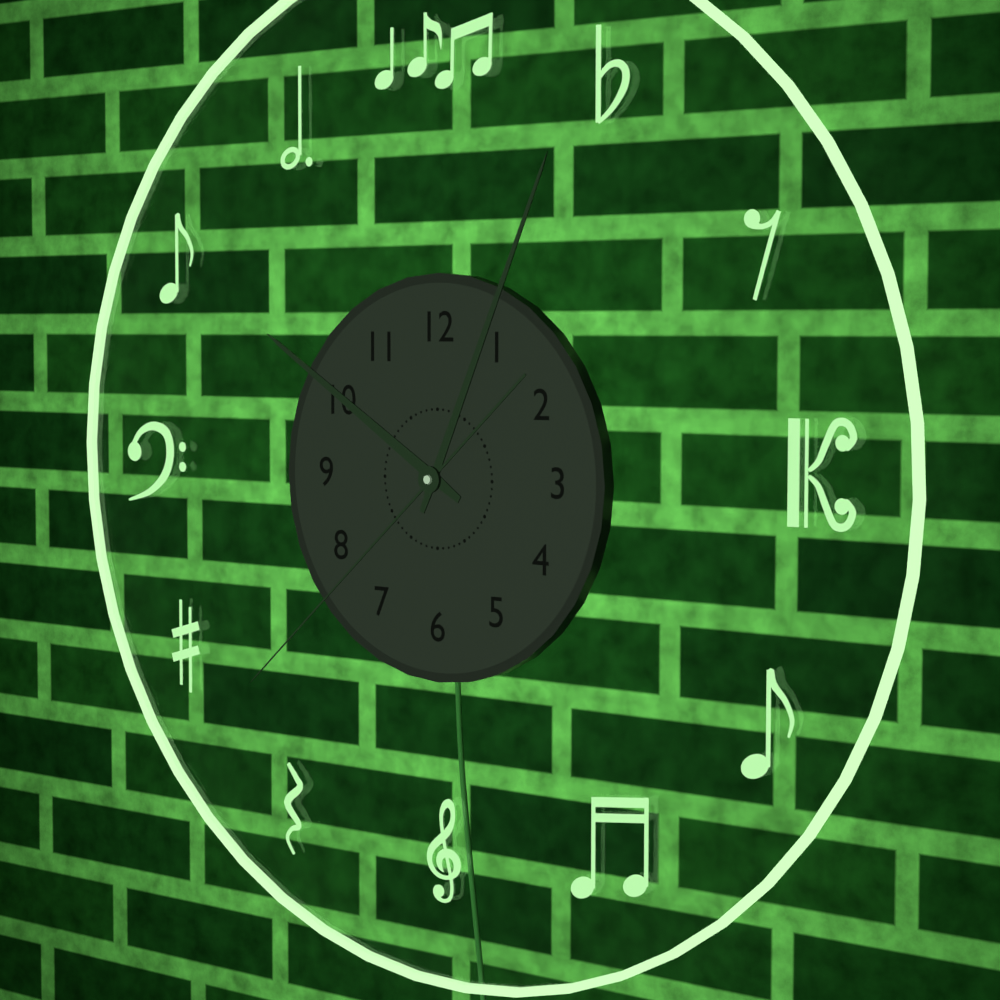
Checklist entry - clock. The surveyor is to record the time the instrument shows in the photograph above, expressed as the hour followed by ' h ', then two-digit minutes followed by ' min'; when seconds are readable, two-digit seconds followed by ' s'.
10 h 04 min 38 s
